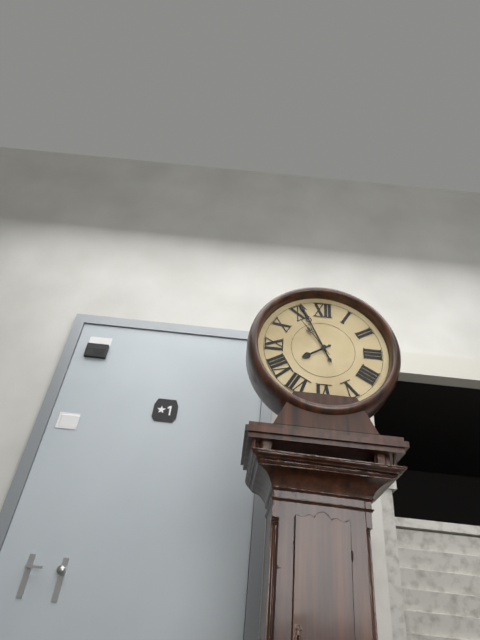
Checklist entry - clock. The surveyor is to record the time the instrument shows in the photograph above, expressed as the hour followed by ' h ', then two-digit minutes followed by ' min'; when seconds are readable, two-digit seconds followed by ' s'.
7 h 56 min 54 s
